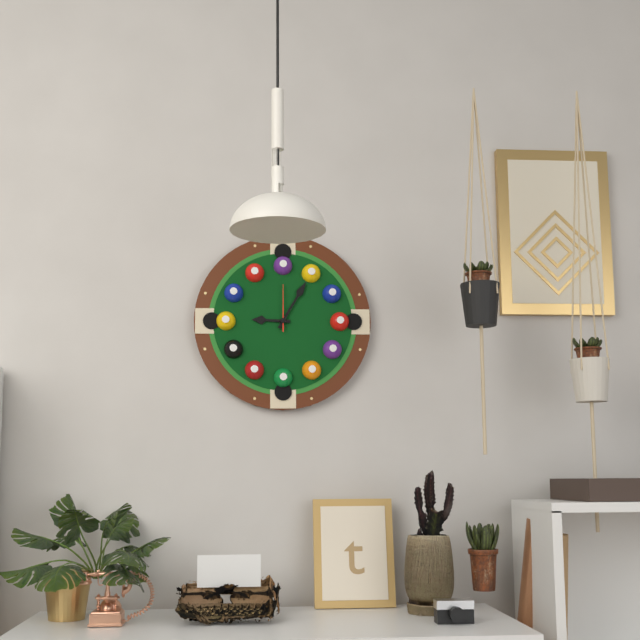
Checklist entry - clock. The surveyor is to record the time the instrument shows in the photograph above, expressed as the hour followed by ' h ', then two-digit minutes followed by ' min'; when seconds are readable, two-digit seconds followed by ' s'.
9 h 05 min
